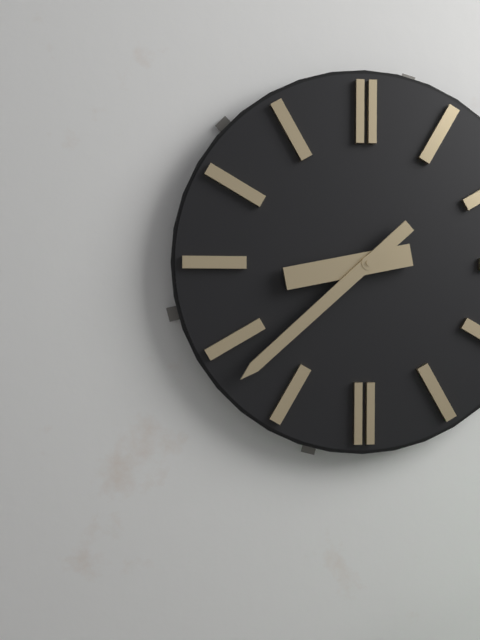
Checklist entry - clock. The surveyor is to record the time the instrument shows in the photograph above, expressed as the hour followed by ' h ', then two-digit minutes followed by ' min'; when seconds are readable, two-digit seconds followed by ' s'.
8 h 38 min
